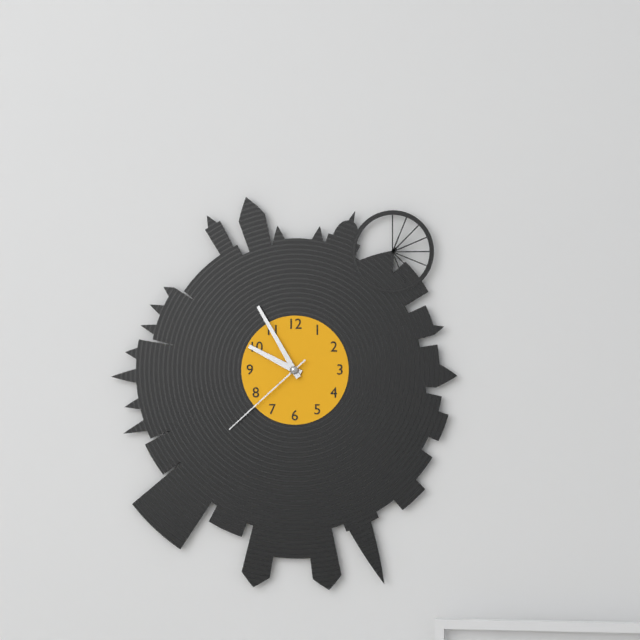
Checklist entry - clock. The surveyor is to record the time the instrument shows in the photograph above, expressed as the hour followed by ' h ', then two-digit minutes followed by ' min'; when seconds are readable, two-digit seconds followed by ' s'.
9 h 55 min 38 s
